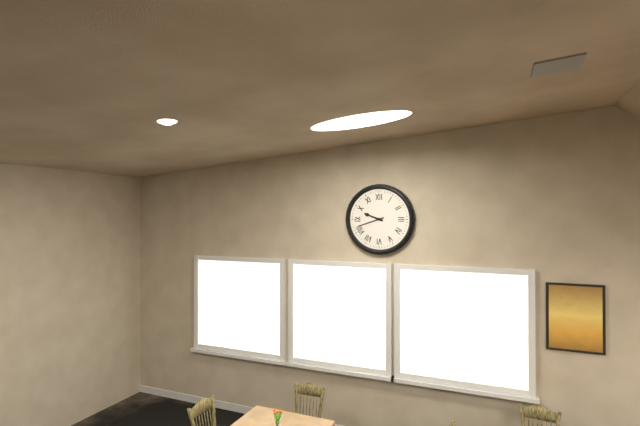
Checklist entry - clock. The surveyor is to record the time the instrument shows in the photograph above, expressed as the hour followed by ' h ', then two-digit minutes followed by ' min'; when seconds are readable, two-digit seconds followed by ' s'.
9 h 42 min
